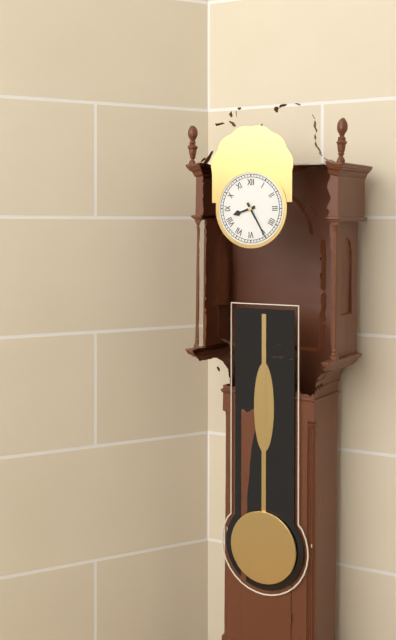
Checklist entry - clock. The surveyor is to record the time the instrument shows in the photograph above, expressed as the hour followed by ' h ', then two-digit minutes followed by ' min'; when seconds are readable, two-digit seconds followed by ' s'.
8 h 25 min
